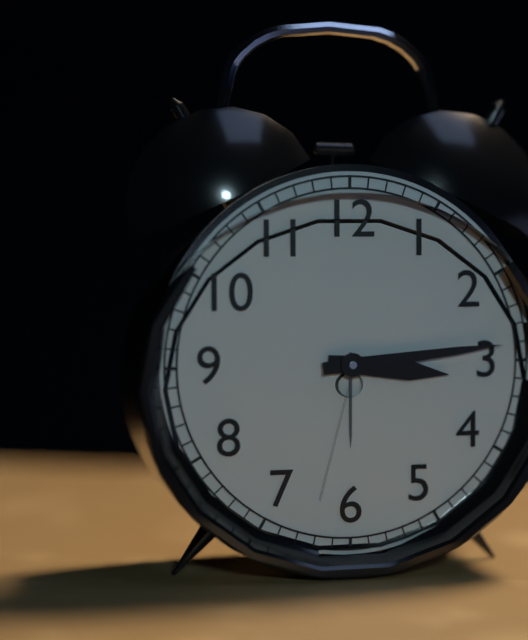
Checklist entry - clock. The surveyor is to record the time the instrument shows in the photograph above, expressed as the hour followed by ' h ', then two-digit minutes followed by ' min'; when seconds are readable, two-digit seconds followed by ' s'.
3 h 14 min
